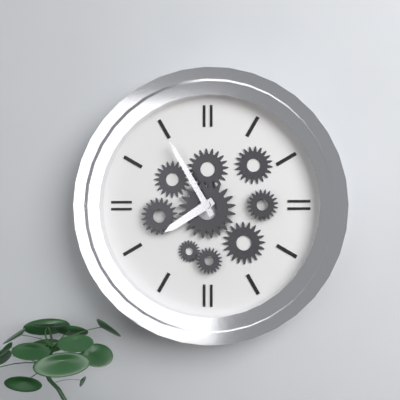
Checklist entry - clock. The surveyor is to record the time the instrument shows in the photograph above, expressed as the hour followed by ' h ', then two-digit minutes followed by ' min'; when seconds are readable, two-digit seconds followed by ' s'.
7 h 55 min
